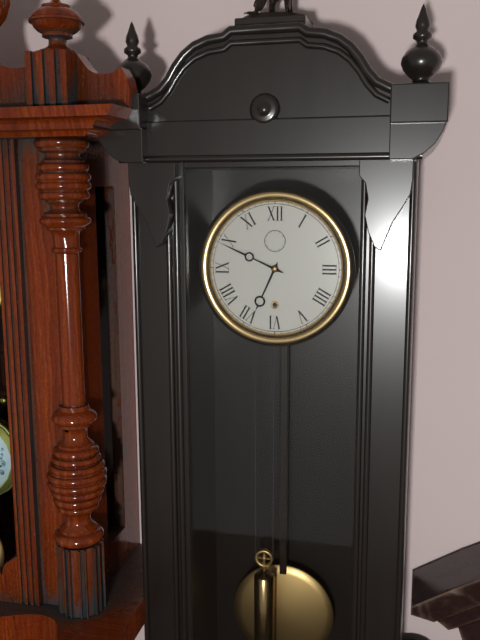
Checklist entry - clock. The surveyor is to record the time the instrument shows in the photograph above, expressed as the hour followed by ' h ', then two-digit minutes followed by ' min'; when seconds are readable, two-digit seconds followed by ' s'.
6 h 49 min
